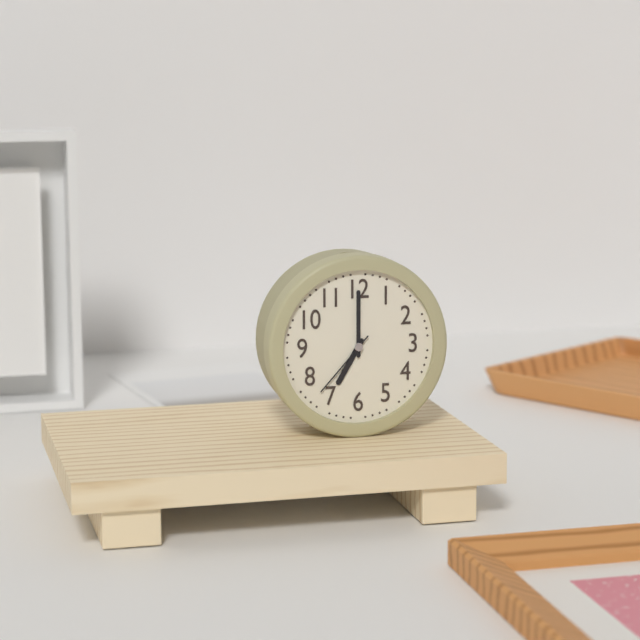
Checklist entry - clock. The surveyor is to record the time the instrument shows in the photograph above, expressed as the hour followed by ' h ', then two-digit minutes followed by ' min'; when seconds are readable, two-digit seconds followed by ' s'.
7 h 00 min 37 s
